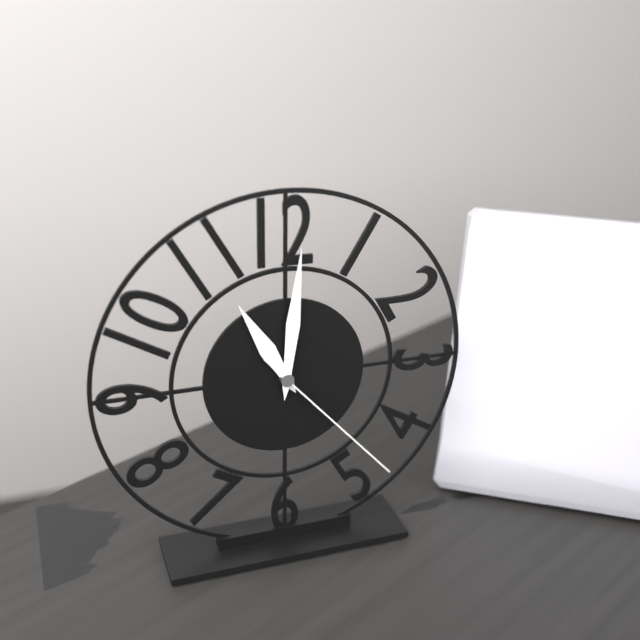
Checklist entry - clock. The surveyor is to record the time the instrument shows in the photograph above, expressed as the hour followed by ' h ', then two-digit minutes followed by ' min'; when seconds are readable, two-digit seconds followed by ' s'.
11 h 01 min 23 s
